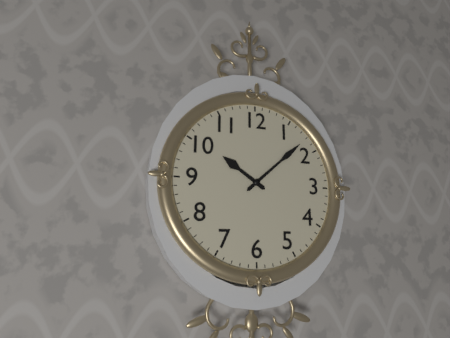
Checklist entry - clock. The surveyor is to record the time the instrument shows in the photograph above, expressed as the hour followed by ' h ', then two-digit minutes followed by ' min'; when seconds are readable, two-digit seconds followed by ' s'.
10 h 08 min
